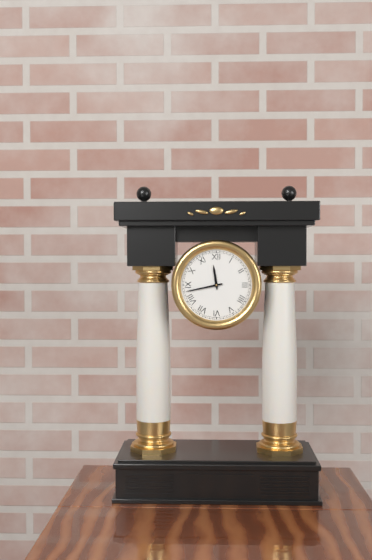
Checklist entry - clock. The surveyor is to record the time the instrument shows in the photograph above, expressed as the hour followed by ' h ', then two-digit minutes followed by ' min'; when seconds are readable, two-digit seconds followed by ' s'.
11 h 43 min
